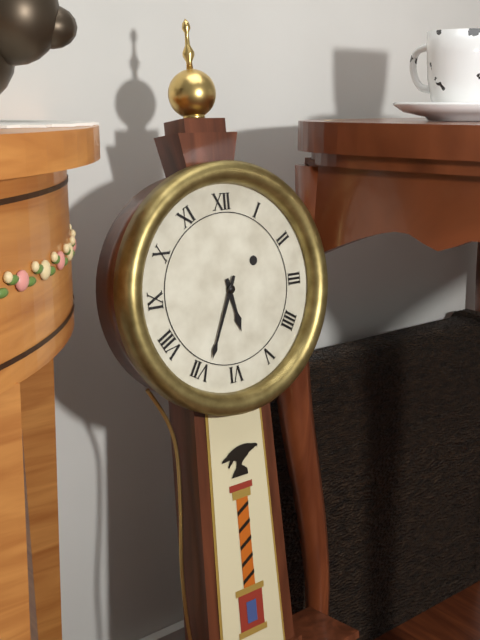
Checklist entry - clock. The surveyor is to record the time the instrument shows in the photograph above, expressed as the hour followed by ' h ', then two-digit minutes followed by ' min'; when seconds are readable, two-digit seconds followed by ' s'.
5 h 34 min
